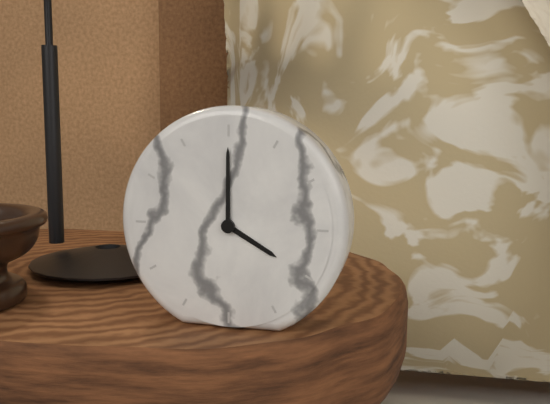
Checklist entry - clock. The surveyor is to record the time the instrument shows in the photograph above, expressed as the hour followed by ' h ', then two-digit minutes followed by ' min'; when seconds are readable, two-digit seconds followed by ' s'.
4 h 00 min
